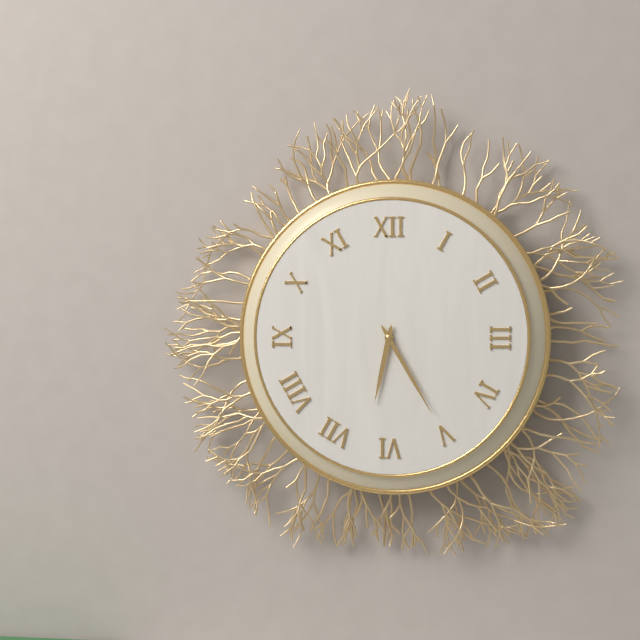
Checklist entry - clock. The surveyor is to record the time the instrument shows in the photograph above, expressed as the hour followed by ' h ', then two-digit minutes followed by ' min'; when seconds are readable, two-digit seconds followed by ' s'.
6 h 25 min
